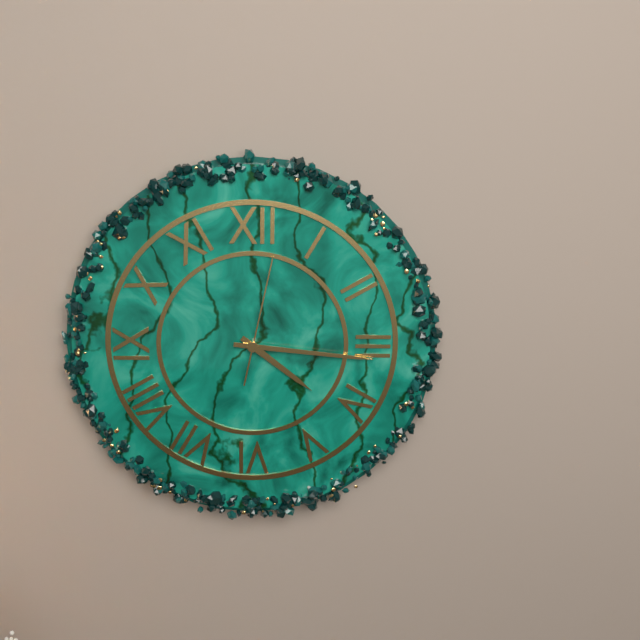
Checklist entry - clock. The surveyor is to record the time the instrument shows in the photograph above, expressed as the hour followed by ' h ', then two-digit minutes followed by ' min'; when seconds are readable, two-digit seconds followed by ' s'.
4 h 16 min 02 s
